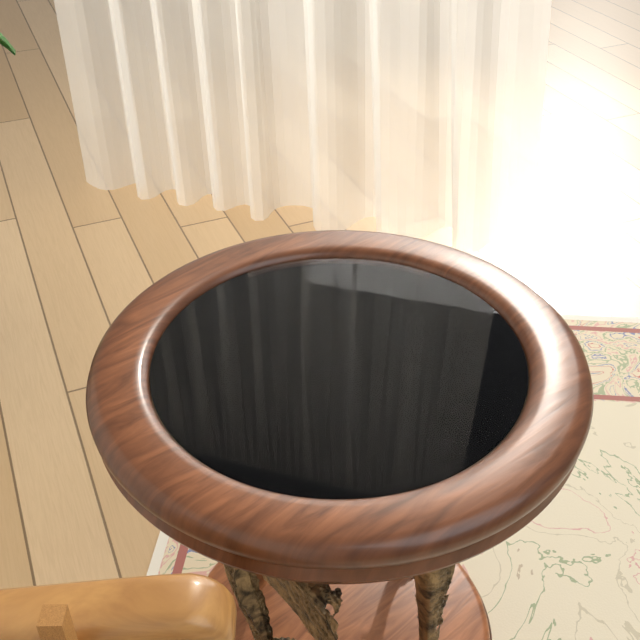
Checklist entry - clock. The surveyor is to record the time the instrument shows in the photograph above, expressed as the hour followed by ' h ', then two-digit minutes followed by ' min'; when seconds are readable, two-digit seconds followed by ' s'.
8 h 35 min
